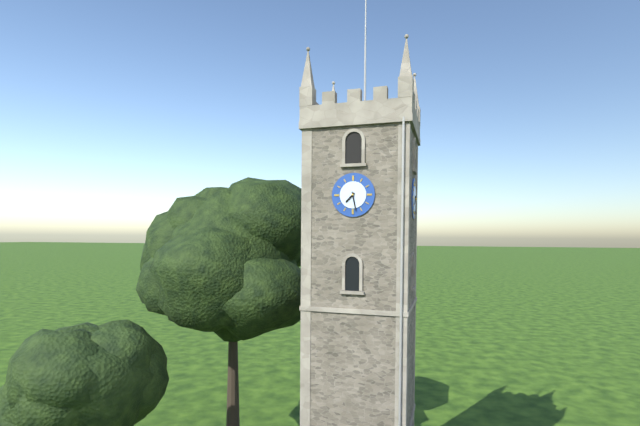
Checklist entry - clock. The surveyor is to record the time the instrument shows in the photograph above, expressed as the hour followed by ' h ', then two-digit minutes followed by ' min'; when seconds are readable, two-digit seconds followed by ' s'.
7 h 28 min
